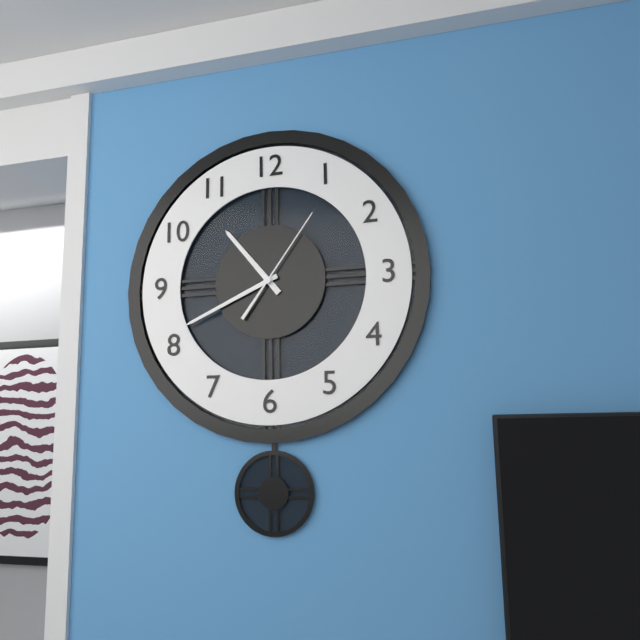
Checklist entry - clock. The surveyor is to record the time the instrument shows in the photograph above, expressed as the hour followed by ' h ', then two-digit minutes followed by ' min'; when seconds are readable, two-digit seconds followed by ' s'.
10 h 41 min 06 s
